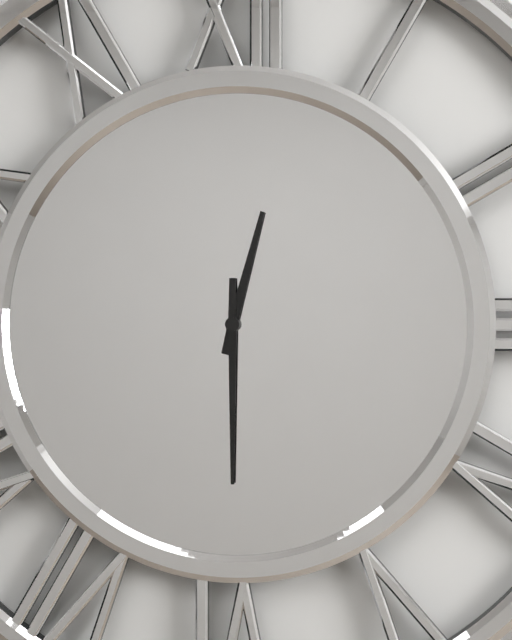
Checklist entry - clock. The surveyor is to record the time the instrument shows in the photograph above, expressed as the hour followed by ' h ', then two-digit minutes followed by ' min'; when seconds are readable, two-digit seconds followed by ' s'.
12 h 30 min
